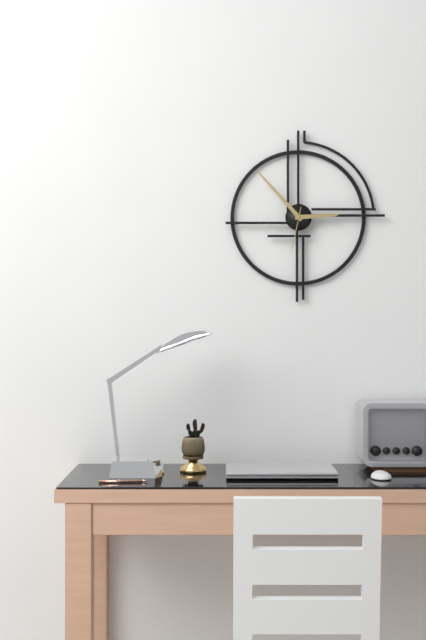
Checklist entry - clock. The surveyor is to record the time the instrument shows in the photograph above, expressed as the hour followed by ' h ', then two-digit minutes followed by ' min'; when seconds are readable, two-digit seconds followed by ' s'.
2 h 53 min
